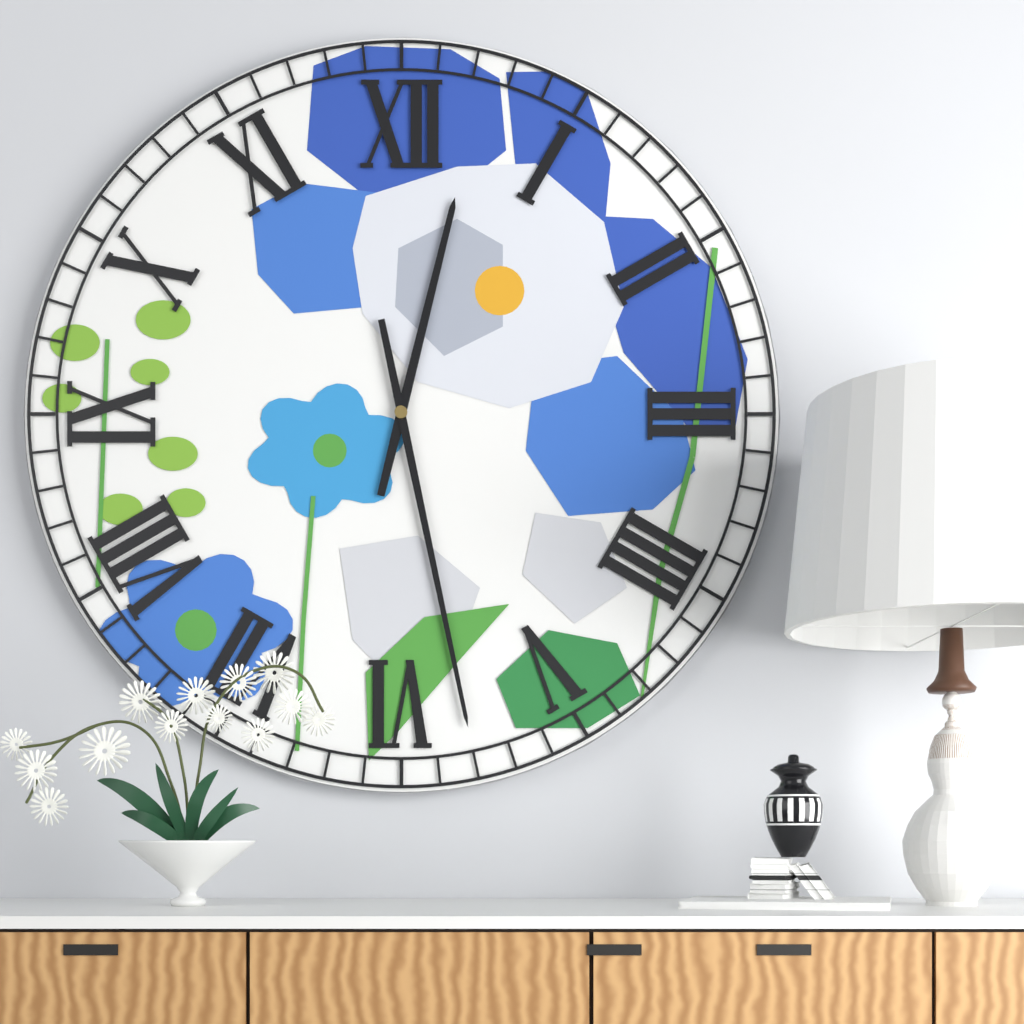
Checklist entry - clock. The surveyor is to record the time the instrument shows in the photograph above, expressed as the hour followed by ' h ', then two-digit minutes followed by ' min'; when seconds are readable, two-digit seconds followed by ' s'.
12 h 28 min
